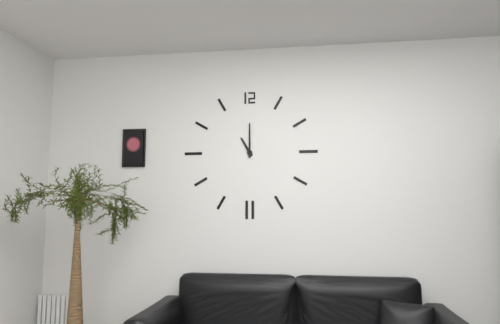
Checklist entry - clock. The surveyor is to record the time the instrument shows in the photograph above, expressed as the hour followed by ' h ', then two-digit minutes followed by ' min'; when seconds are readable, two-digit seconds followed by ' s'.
11 h 00 min
